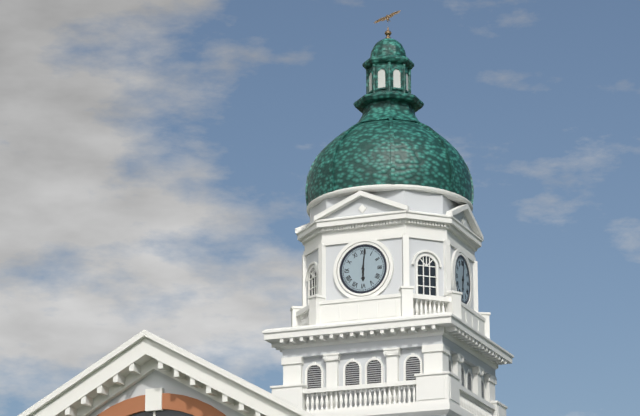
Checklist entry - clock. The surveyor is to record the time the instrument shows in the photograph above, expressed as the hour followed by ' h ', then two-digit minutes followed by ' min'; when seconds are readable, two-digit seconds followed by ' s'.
6 h 01 min
